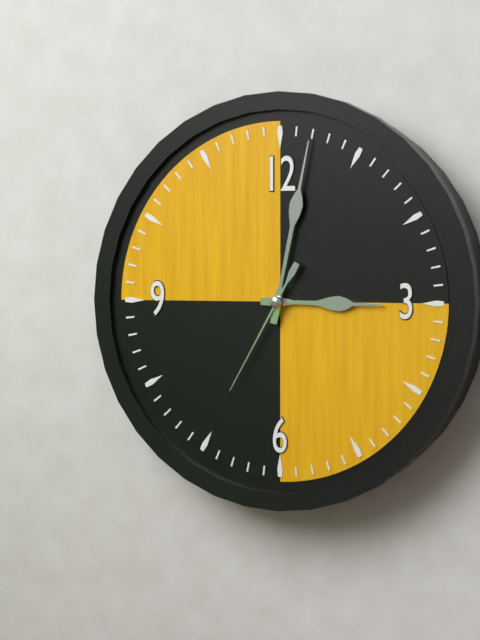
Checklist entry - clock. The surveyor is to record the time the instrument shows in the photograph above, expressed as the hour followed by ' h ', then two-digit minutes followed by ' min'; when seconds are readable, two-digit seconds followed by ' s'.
3 h 02 min 35 s
